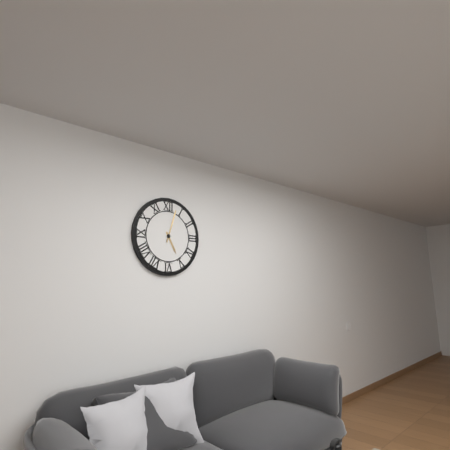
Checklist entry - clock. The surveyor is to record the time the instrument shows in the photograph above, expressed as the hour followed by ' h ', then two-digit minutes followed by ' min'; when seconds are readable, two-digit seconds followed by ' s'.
5 h 03 min
